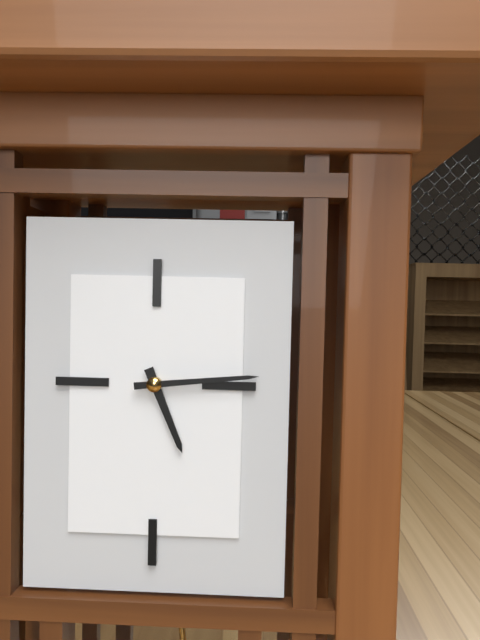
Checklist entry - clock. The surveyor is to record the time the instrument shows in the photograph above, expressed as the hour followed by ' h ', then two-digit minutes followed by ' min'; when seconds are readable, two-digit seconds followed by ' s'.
5 h 14 min
